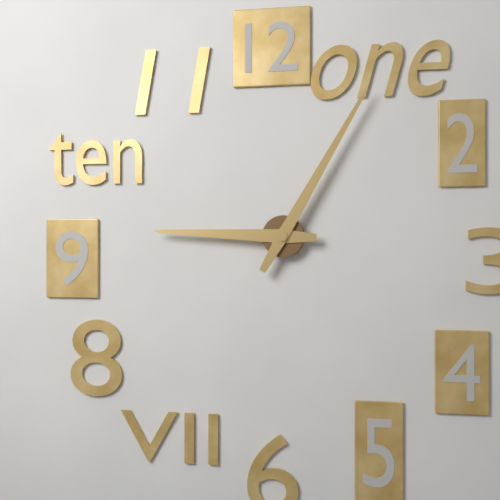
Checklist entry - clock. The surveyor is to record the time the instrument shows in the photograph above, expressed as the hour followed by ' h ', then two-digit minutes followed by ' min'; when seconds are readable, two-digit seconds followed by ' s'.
9 h 05 min
